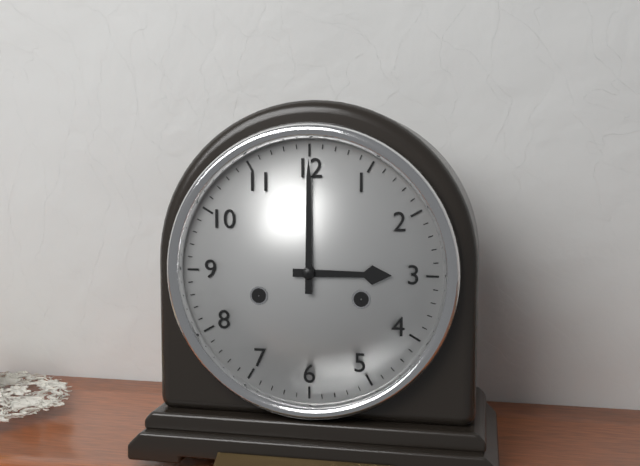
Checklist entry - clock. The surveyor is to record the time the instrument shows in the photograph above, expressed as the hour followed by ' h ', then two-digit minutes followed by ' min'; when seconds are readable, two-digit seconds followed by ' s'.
3 h 00 min
